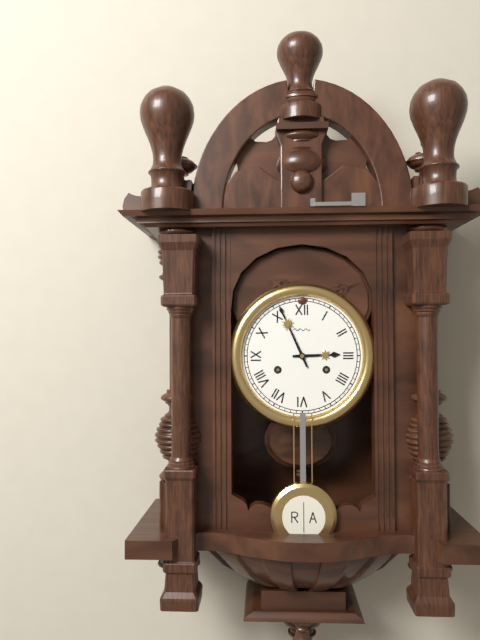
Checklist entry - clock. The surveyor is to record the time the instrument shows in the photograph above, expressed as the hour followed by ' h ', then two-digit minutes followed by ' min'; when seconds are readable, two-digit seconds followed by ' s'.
2 h 56 min
